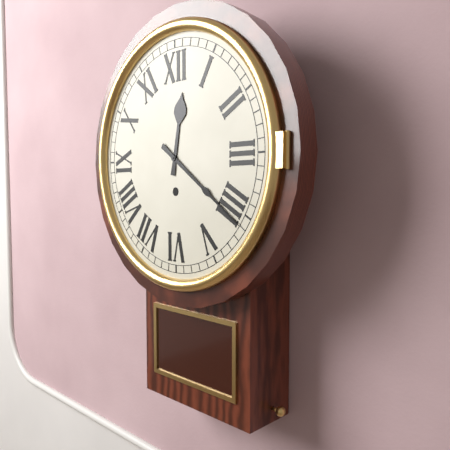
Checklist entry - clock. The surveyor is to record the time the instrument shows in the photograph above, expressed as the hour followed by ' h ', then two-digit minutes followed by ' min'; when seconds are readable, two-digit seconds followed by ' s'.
12 h 21 min
